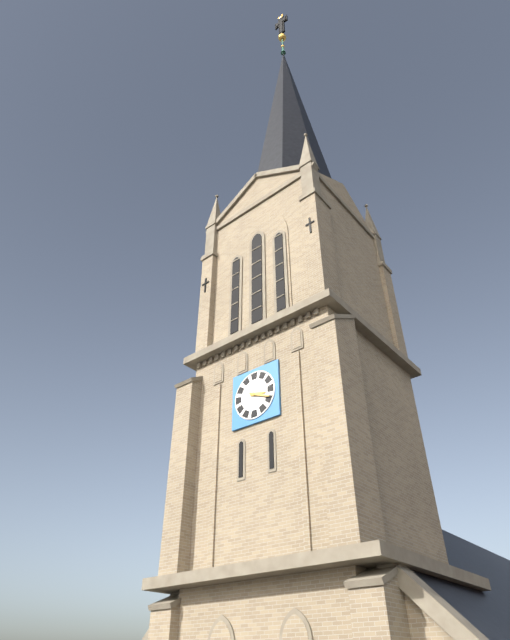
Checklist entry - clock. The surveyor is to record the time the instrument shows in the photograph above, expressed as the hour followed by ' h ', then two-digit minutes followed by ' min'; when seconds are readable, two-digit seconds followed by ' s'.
3 h 19 min
